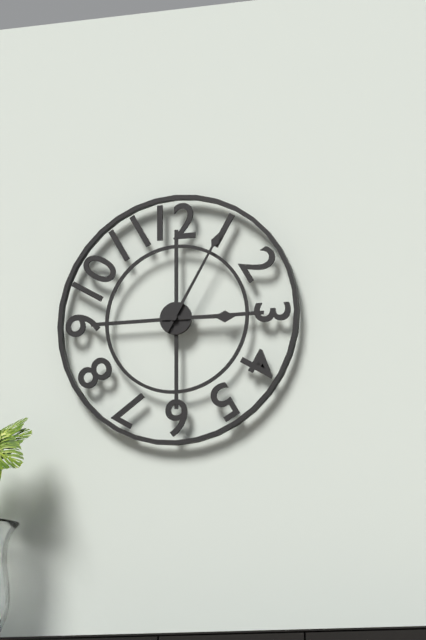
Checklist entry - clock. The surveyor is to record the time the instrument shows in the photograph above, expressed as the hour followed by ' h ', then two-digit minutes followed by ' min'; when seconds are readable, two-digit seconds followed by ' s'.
3 h 05 min
